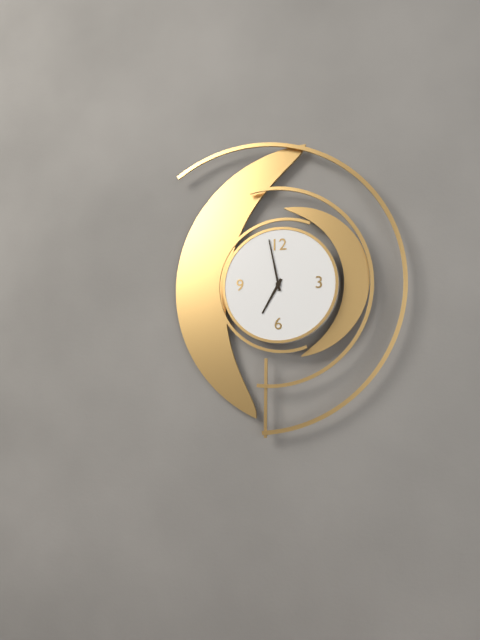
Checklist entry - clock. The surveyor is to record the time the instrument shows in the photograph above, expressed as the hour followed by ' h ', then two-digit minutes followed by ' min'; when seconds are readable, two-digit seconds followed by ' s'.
6 h 58 min
